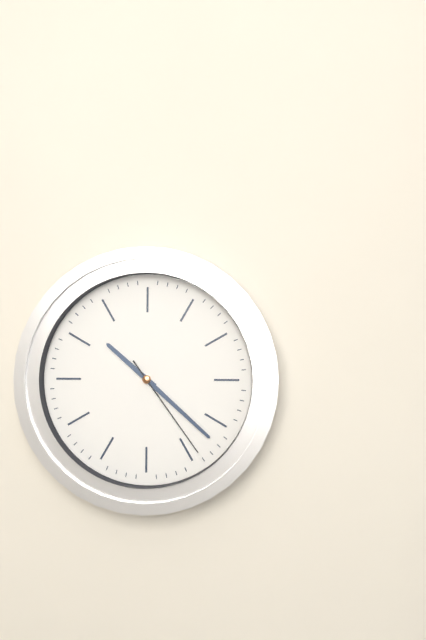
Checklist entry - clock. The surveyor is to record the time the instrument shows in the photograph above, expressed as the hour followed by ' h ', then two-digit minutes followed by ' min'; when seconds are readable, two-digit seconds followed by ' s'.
10 h 22 min 24 s
